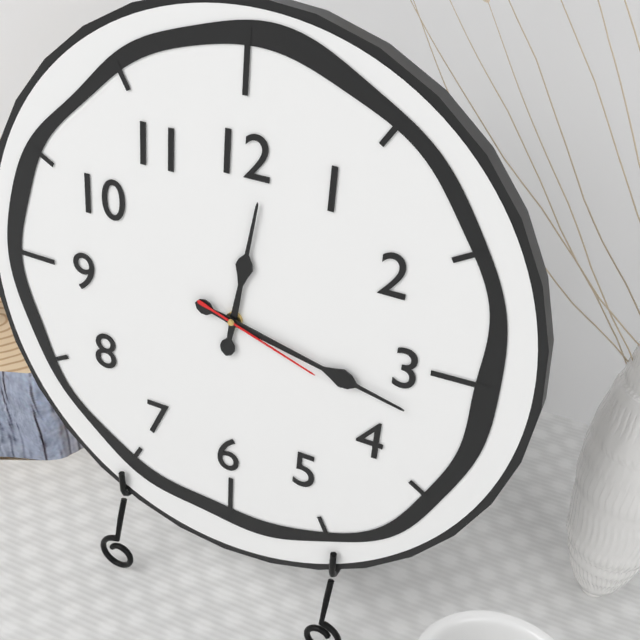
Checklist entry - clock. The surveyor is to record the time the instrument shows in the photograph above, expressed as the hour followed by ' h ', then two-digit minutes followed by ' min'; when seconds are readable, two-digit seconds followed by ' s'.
12 h 17 min 18 s
